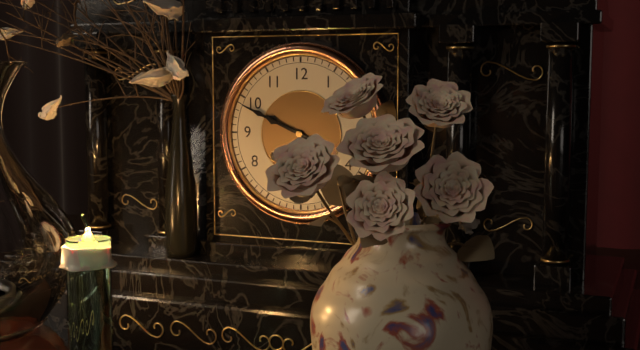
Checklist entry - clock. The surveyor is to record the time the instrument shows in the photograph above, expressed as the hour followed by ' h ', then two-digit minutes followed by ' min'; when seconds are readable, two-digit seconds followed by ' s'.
9 h 49 min
